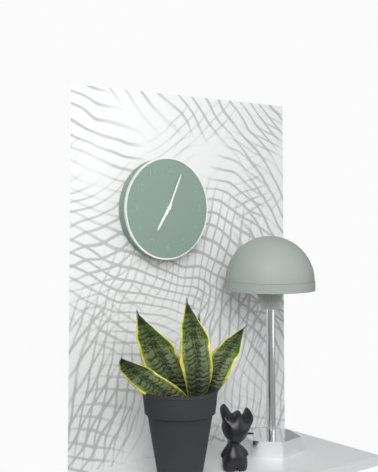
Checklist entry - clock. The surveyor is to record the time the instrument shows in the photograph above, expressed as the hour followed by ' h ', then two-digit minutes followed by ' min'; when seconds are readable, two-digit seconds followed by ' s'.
7 h 04 min
